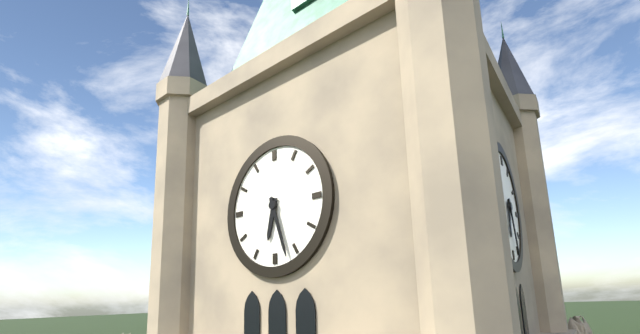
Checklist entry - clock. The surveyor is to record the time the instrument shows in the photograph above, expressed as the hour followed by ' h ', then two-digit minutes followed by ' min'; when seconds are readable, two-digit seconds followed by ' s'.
6 h 27 min
